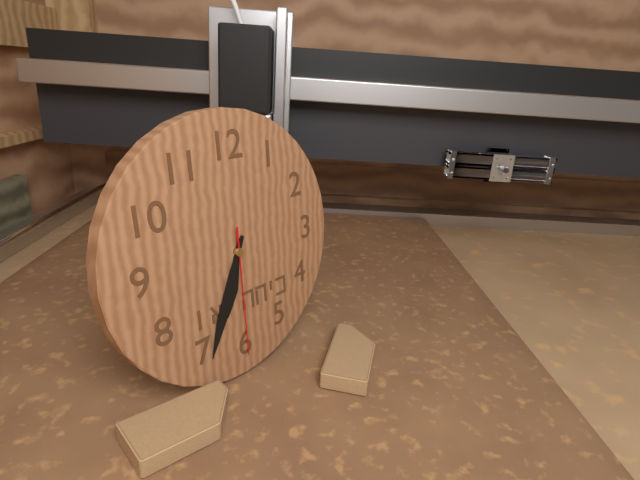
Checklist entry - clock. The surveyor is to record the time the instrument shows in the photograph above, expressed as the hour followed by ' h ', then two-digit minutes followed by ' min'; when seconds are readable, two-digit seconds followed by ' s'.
6 h 34 min 30 s
